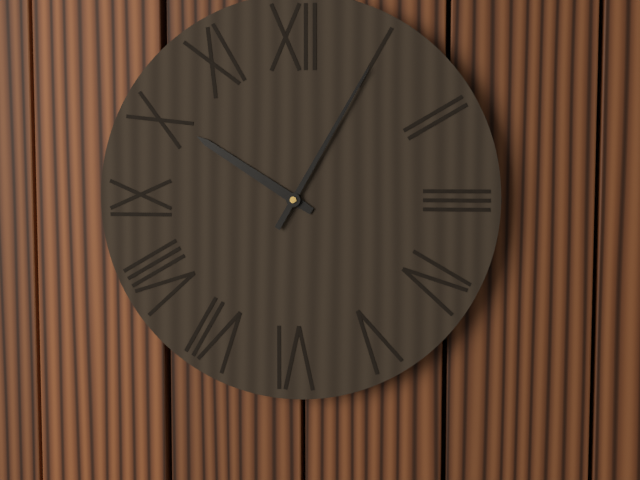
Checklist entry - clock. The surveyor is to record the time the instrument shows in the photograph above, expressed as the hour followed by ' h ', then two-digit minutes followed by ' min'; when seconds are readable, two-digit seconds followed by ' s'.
10 h 05 min
